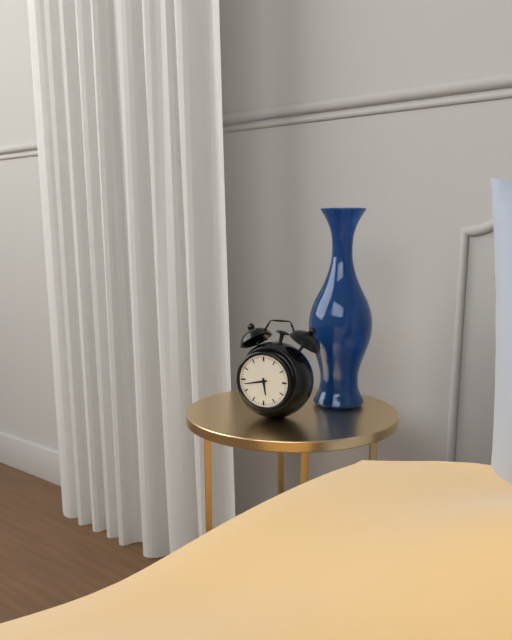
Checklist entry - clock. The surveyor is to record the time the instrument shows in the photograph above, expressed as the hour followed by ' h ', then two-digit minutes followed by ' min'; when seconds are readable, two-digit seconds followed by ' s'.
5 h 43 min
